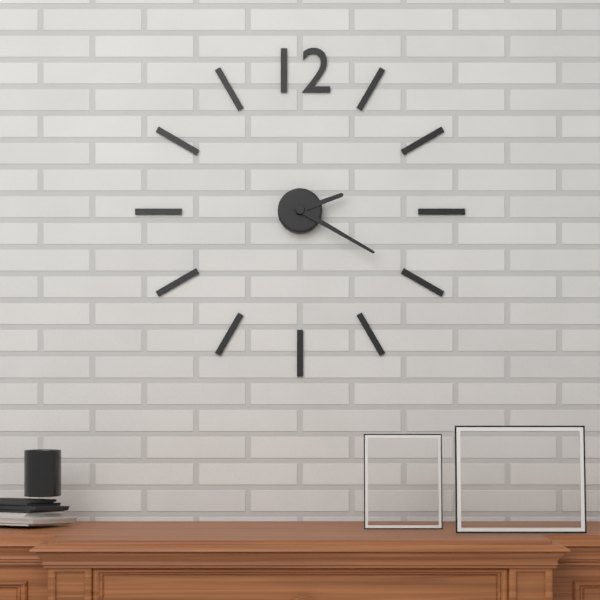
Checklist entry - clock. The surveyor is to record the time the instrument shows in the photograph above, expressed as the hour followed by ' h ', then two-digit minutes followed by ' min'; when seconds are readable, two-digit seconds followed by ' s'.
2 h 20 min
